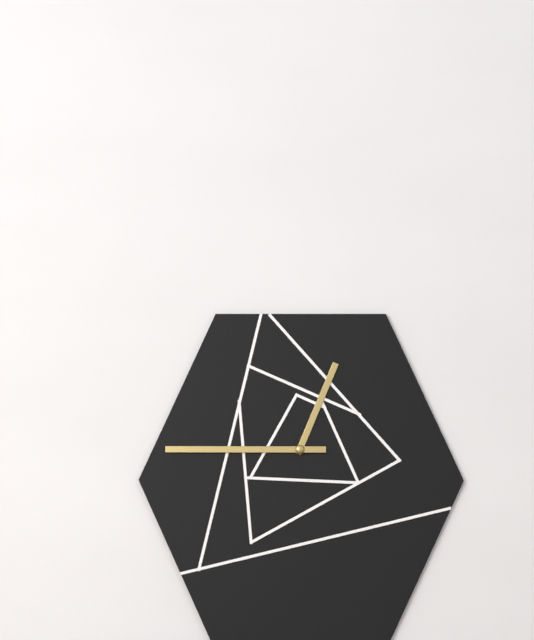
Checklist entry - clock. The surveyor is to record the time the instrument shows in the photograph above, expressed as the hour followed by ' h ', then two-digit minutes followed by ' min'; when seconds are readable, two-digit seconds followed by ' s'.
12 h 45 min
